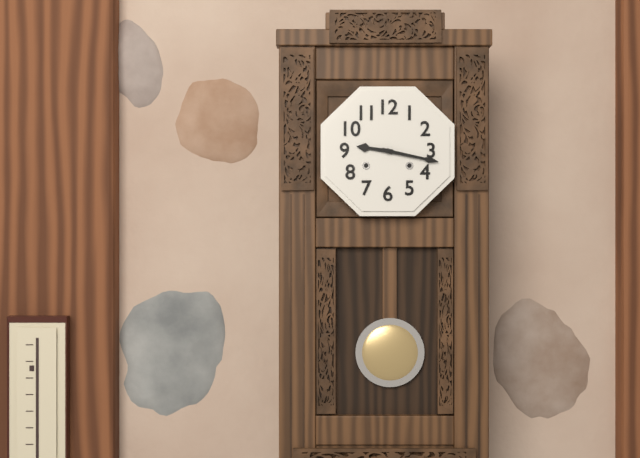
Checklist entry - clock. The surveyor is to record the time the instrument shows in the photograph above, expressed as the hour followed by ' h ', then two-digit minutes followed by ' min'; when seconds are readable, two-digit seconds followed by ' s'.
9 h 17 min
